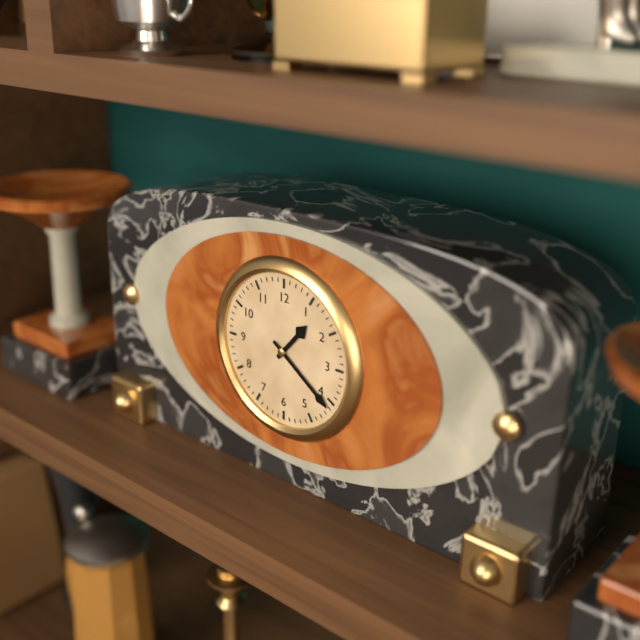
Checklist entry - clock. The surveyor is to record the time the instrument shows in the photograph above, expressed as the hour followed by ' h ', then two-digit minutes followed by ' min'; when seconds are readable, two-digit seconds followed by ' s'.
1 h 21 min
